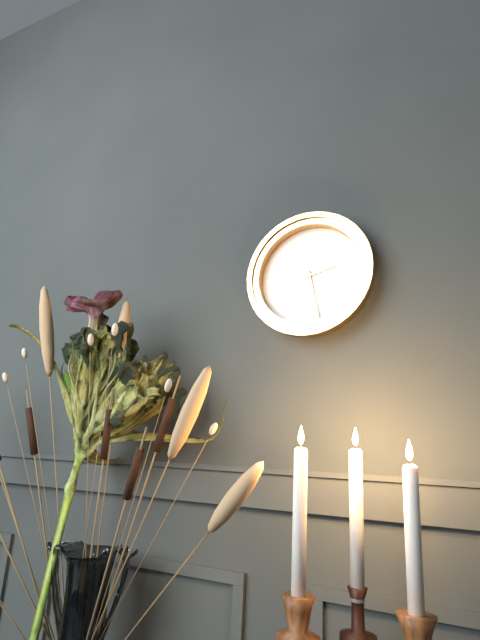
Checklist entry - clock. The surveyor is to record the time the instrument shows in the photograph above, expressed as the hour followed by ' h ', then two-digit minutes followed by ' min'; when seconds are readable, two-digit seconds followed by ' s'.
2 h 28 min
